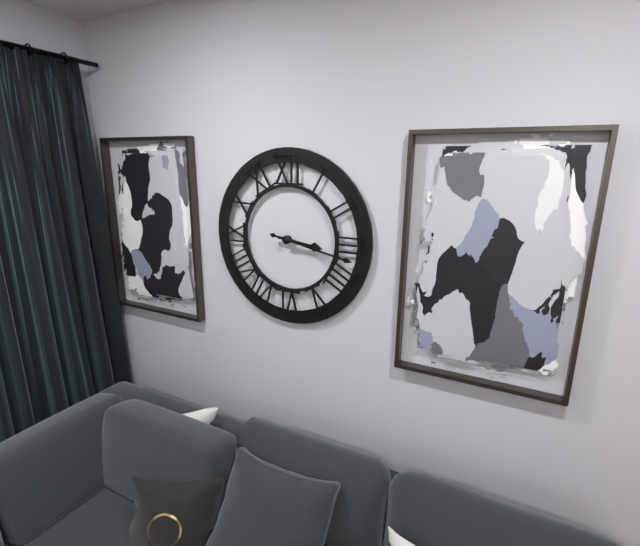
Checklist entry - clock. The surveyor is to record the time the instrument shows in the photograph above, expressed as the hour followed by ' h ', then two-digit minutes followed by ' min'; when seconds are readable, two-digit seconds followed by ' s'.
3 h 17 min
